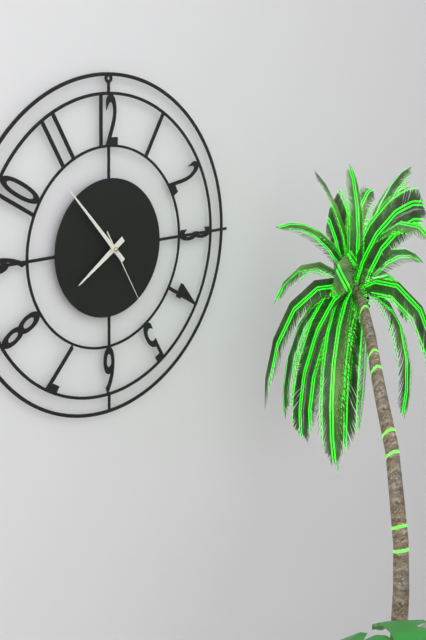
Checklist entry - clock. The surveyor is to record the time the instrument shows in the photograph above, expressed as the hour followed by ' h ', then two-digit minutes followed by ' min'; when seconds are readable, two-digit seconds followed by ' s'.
7 h 53 min 25 s
